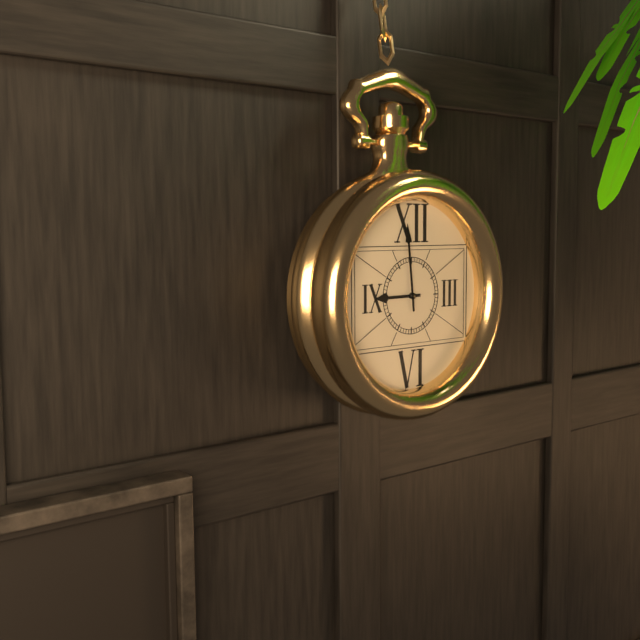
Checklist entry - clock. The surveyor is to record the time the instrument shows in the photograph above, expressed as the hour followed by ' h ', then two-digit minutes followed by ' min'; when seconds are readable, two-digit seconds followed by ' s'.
8 h 59 min
